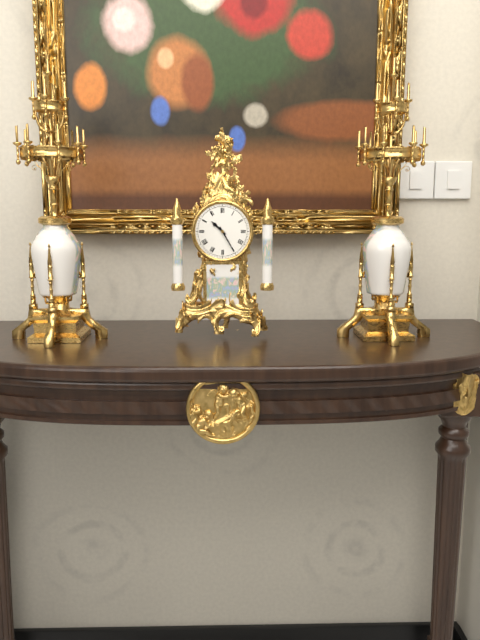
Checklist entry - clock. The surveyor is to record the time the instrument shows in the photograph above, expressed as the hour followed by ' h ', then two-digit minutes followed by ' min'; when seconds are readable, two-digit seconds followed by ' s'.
10 h 25 min
